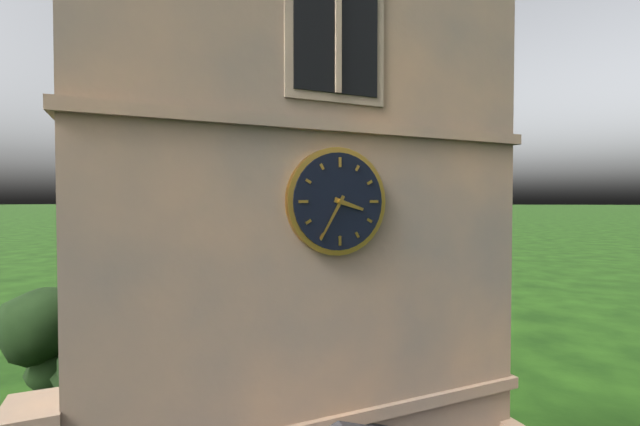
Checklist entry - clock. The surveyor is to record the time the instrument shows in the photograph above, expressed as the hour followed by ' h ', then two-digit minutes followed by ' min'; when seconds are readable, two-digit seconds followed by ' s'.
3 h 35 min
